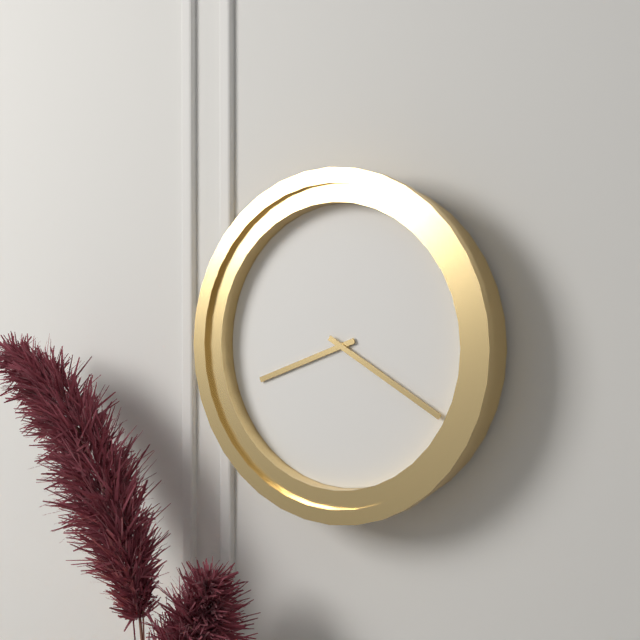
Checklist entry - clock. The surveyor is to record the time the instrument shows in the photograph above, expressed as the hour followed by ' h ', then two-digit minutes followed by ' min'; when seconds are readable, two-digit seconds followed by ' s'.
8 h 20 min
